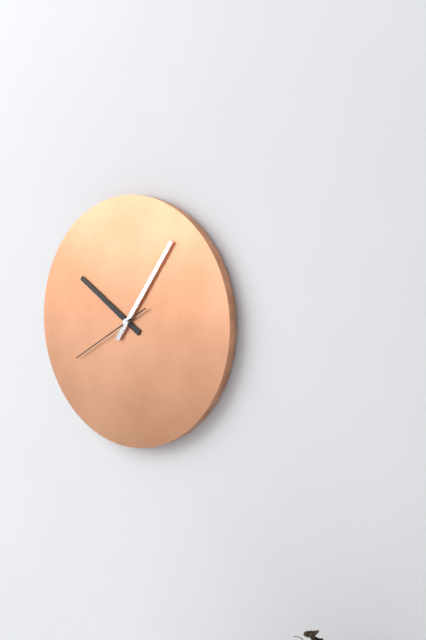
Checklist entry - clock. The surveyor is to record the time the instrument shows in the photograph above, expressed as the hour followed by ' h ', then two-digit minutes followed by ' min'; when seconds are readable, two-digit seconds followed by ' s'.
10 h 06 min 40 s
